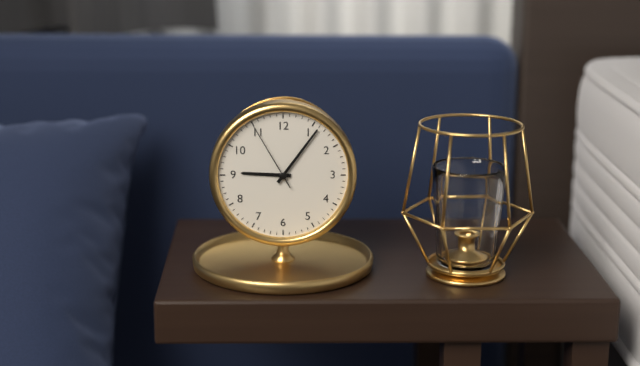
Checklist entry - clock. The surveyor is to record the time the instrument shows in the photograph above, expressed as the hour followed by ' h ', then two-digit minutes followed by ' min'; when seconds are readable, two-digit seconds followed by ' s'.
9 h 06 min 55 s
